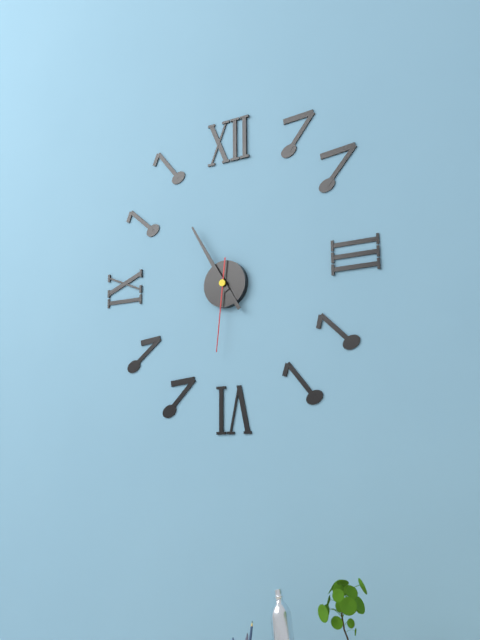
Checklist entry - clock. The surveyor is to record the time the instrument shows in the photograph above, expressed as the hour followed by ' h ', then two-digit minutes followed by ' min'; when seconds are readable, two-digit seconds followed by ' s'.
4 h 55 min 31 s
